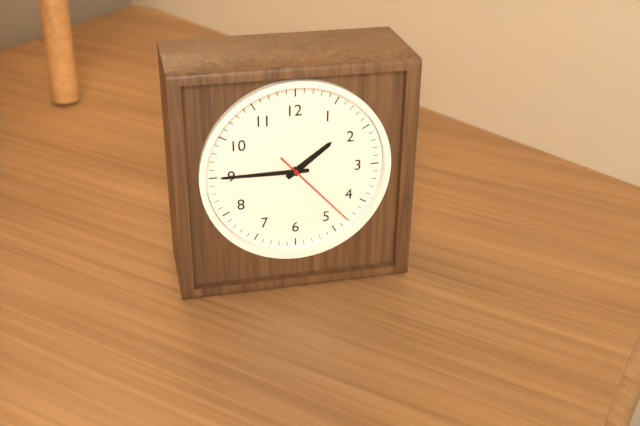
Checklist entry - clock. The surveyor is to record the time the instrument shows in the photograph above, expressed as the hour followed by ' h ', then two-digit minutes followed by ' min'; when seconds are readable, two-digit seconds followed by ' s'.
1 h 45 min 23 s
